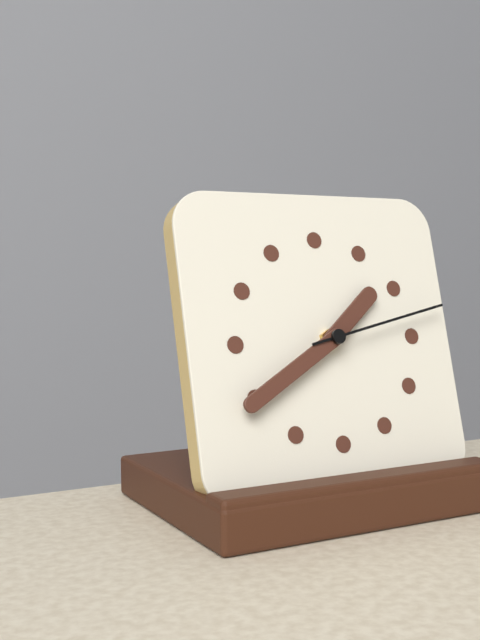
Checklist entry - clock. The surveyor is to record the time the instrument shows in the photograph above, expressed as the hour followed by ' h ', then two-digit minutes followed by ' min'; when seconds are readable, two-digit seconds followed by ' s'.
1 h 40 min 13 s
